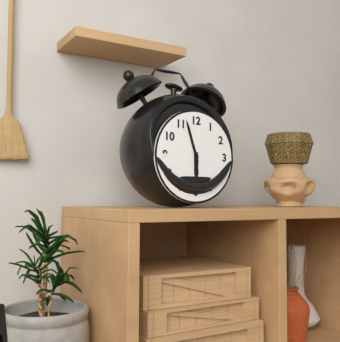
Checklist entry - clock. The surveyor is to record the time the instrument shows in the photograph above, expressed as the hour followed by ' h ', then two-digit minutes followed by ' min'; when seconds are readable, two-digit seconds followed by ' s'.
5 h 57 min
